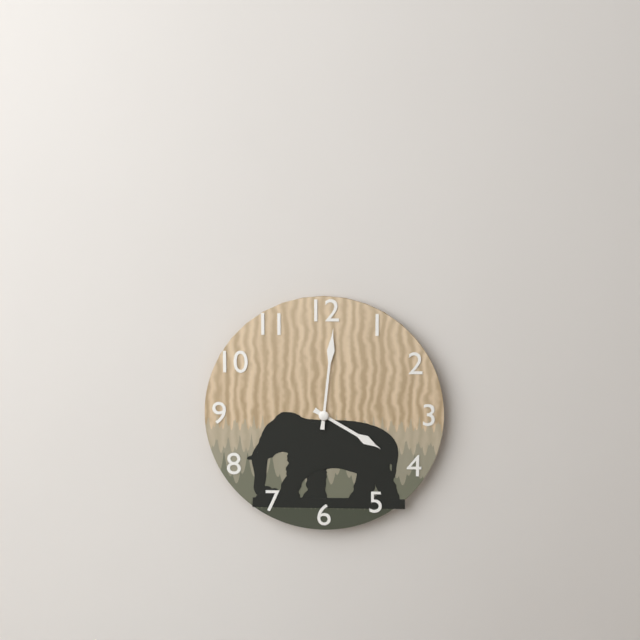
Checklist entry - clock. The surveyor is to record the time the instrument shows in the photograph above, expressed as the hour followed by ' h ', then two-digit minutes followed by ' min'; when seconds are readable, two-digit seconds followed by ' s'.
4 h 01 min
